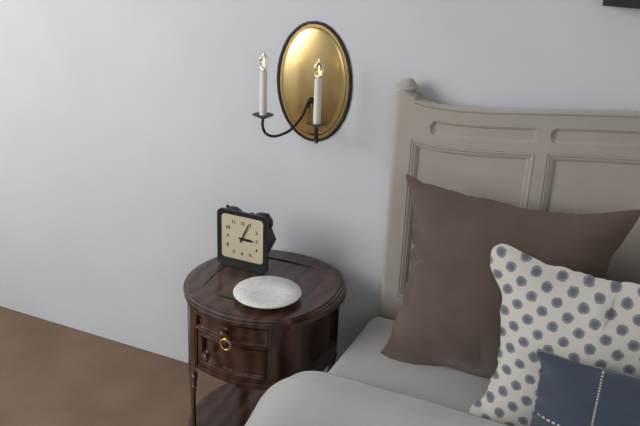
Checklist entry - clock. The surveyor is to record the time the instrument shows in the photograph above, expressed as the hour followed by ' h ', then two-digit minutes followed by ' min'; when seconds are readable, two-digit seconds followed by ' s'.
3 h 04 min
